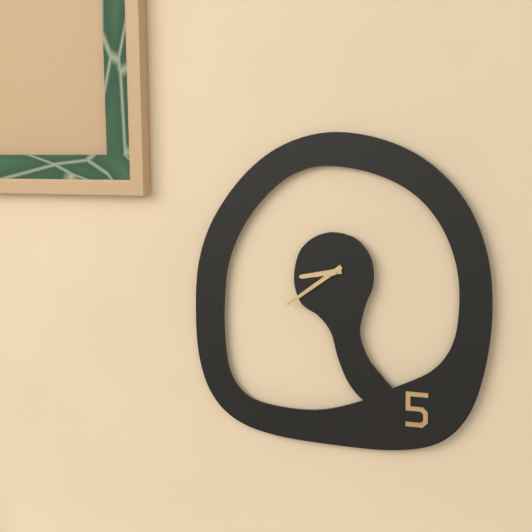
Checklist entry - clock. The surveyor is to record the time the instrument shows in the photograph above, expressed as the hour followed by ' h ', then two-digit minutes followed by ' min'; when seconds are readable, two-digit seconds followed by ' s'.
8 h 39 min
